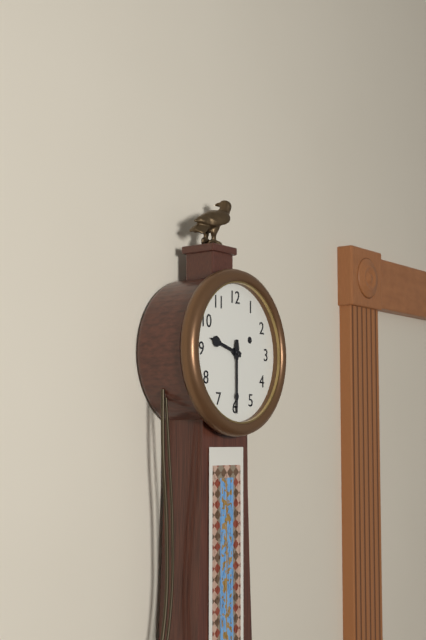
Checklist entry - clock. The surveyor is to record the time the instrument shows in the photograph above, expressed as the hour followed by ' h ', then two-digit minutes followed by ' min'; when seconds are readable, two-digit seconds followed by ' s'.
9 h 30 min
